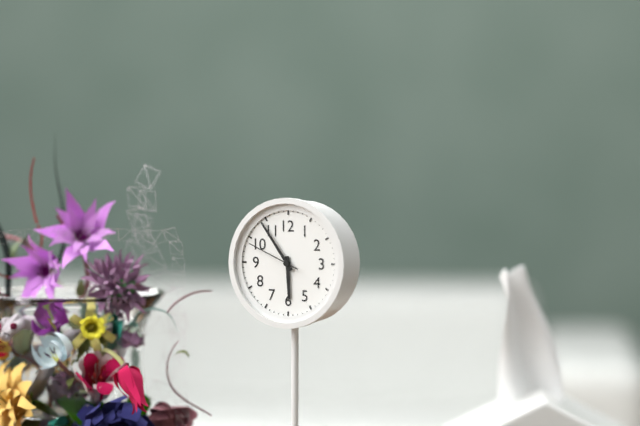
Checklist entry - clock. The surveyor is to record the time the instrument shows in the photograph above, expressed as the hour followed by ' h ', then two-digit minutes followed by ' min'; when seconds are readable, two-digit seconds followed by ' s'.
5 h 54 min 49 s
